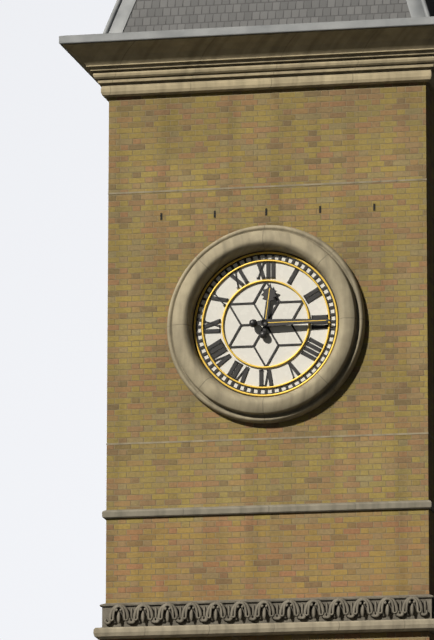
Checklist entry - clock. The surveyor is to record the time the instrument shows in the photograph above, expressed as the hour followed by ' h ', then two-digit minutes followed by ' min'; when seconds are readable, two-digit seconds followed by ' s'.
12 h 15 min
